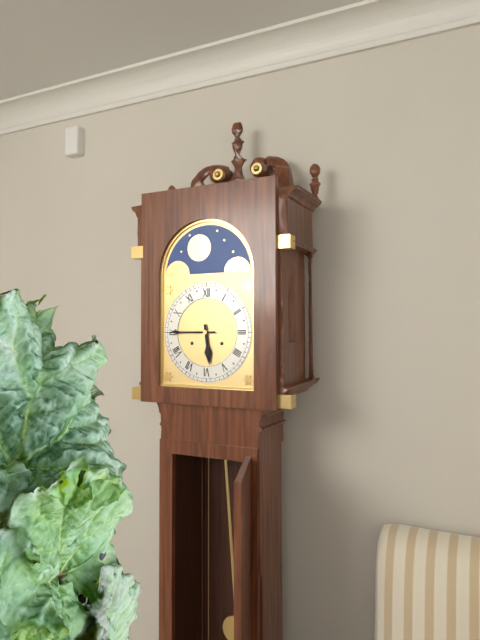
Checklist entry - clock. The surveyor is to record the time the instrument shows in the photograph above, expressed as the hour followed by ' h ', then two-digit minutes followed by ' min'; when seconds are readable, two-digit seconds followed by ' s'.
5 h 45 min
